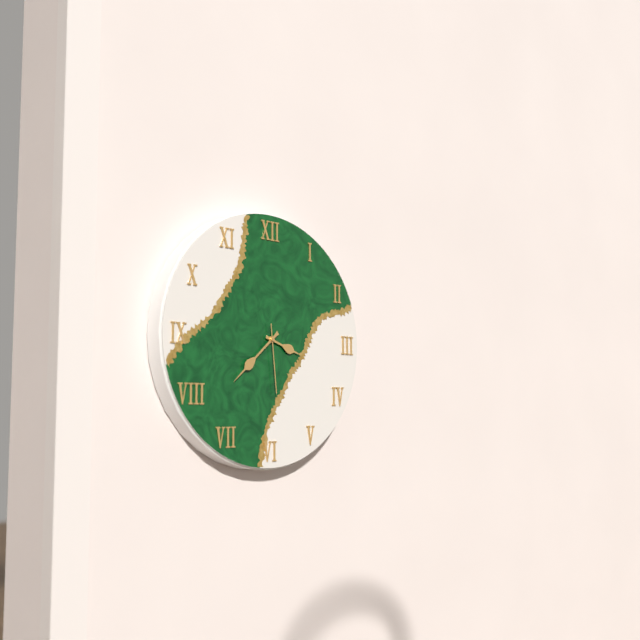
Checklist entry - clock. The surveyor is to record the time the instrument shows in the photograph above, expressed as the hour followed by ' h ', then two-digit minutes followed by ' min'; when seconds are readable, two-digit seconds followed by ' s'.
3 h 38 min 29 s
